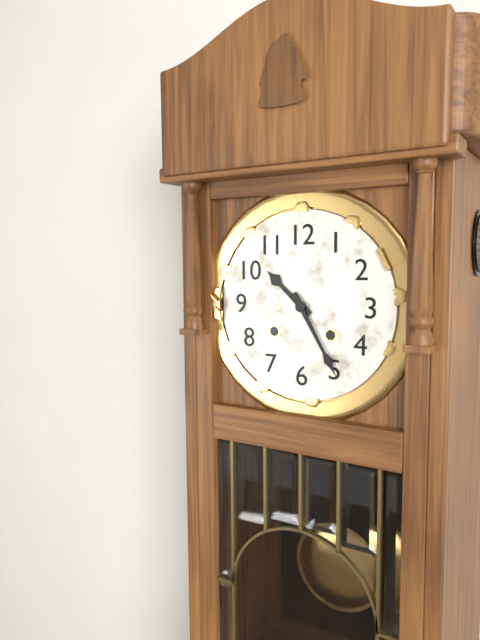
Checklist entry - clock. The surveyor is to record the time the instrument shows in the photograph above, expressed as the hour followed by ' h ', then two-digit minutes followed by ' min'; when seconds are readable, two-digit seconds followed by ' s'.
10 h 25 min
